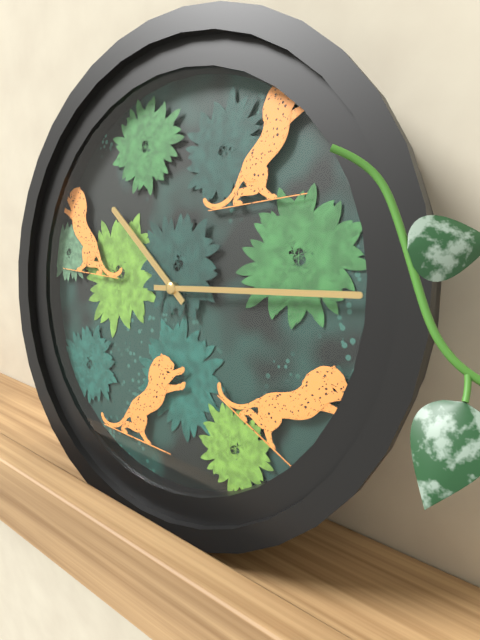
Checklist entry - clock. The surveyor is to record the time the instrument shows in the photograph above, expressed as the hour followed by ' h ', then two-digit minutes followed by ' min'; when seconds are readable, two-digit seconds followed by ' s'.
10 h 14 min
